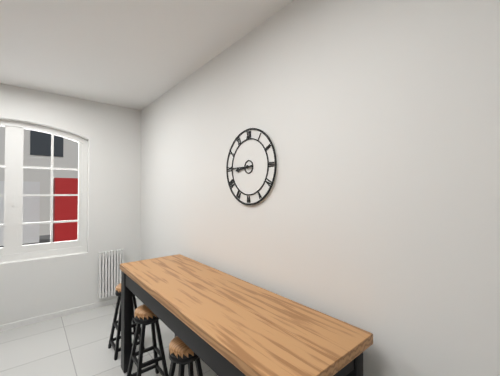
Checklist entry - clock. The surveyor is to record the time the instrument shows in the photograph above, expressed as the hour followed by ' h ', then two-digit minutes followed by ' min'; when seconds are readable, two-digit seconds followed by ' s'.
8 h 45 min
